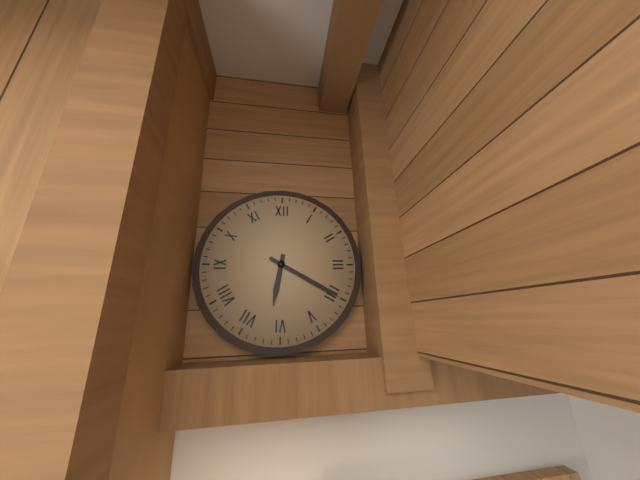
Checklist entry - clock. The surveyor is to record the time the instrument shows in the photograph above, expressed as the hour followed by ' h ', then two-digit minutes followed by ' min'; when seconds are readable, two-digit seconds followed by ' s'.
6 h 20 min
